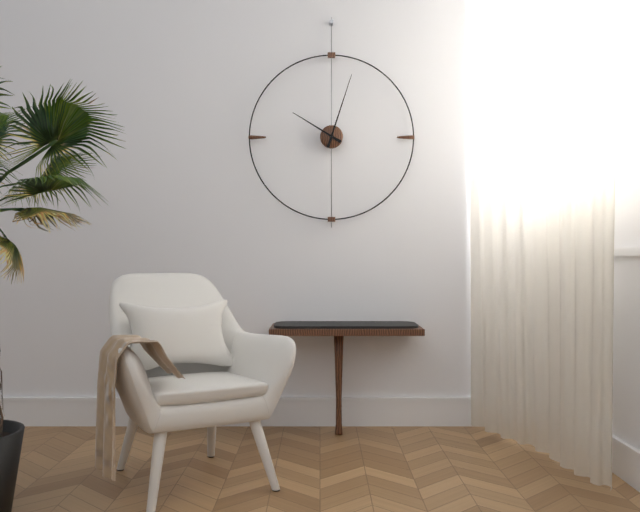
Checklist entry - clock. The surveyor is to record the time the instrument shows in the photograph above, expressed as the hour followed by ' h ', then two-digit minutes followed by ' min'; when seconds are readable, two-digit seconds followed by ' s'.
10 h 03 min
